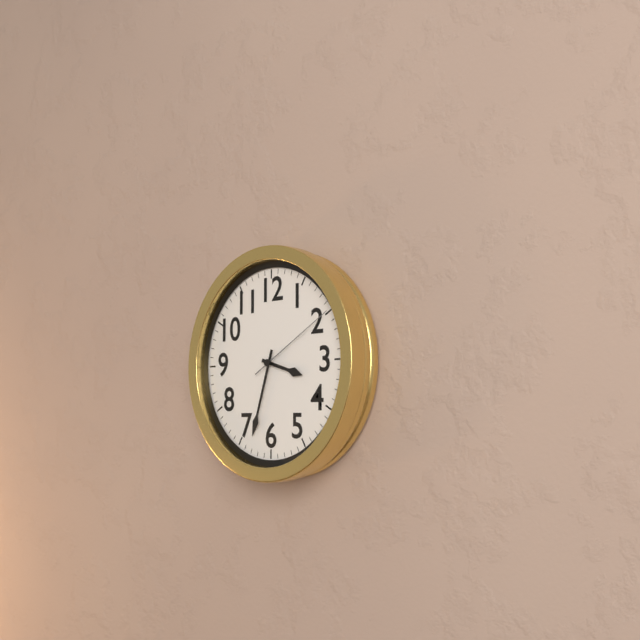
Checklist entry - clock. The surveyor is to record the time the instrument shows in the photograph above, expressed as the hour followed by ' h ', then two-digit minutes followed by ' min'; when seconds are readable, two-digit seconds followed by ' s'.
3 h 33 min 10 s
